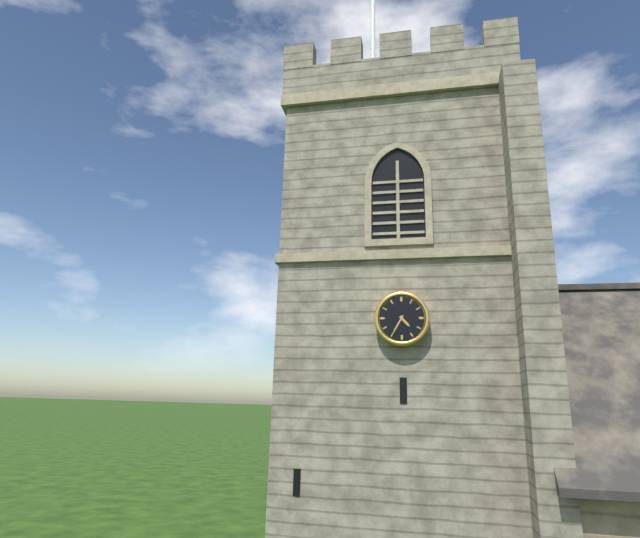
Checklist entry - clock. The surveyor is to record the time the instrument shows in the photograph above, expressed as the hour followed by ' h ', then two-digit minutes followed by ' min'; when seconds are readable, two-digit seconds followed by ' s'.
4 h 35 min
